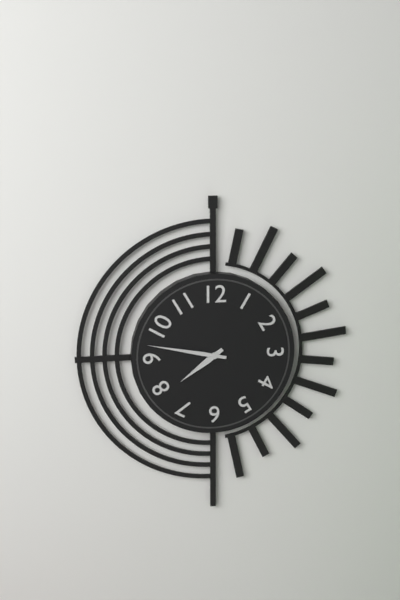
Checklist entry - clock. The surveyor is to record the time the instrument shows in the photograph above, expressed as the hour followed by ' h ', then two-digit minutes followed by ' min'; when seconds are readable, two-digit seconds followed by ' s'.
7 h 47 min
